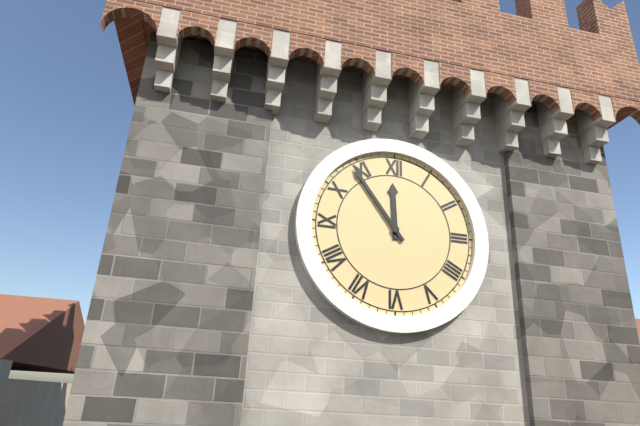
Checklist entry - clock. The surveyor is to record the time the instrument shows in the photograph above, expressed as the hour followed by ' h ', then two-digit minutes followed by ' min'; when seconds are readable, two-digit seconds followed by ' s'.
11 h 54 min
